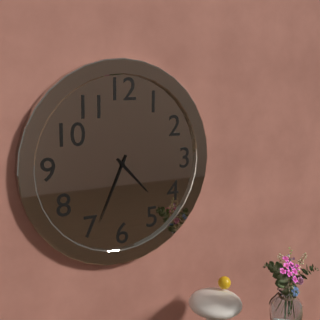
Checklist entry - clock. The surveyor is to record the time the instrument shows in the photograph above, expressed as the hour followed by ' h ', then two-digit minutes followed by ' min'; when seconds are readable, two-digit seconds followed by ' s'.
4 h 34 min
